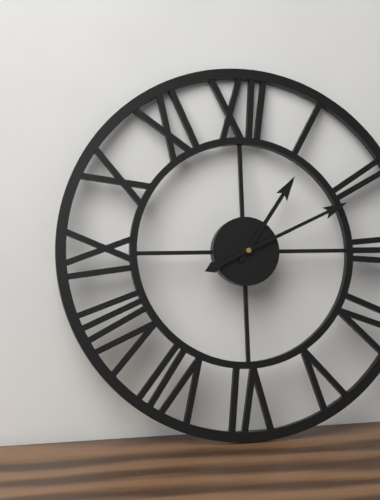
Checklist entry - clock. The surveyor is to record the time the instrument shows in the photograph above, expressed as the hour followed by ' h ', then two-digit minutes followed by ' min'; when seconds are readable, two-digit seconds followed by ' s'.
1 h 11 min
